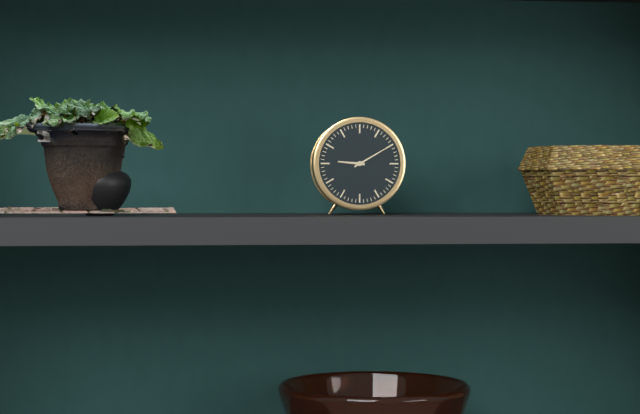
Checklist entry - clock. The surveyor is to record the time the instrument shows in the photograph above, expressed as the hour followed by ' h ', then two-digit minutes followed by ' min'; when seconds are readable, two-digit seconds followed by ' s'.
9 h 10 min
